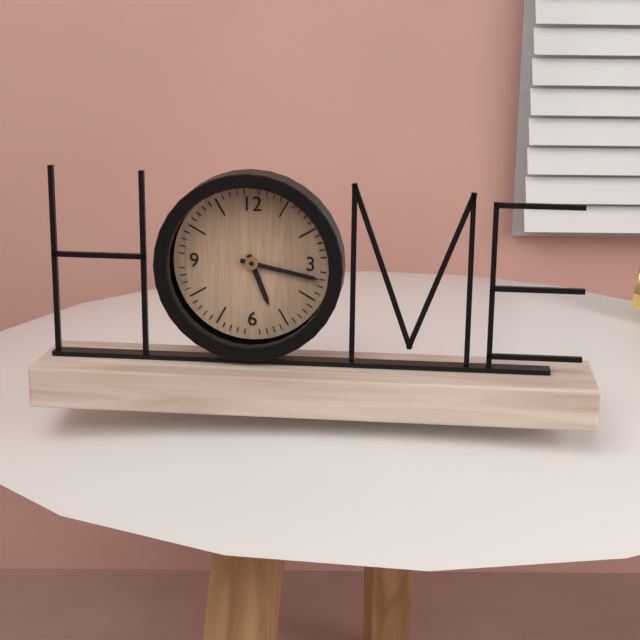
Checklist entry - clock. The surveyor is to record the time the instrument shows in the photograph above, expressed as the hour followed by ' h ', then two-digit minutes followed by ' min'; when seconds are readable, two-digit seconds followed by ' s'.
5 h 17 min
